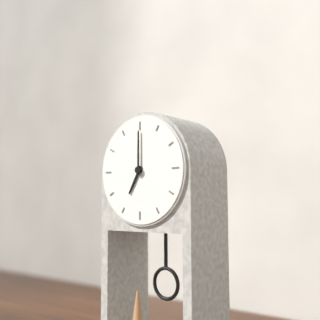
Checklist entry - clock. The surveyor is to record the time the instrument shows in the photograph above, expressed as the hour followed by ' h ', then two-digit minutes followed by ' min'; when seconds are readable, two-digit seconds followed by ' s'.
7 h 00 min
